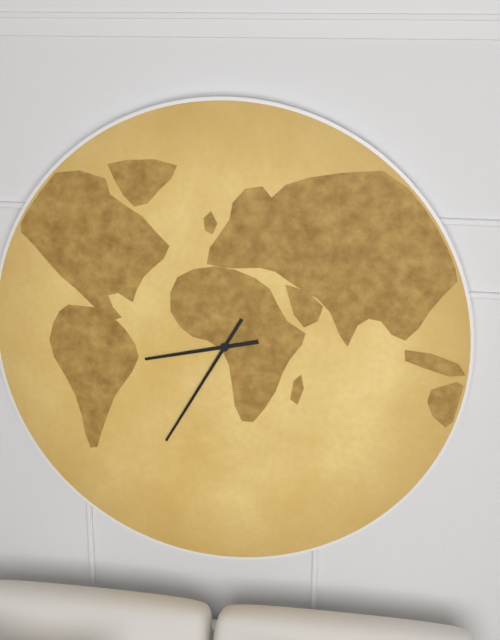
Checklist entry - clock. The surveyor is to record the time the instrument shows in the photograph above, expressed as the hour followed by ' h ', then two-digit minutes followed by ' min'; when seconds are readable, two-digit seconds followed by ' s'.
8 h 35 min
